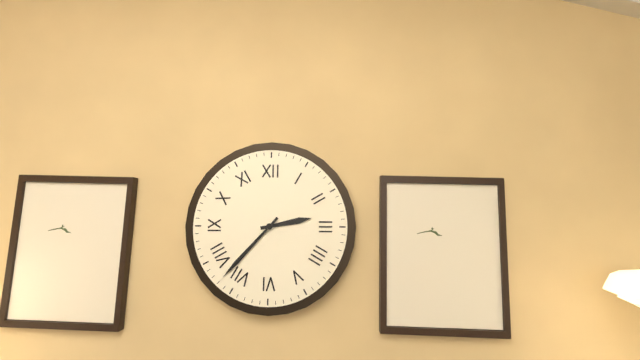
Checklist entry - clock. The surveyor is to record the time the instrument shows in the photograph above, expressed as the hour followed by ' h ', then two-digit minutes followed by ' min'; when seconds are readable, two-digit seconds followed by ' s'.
2 h 37 min
